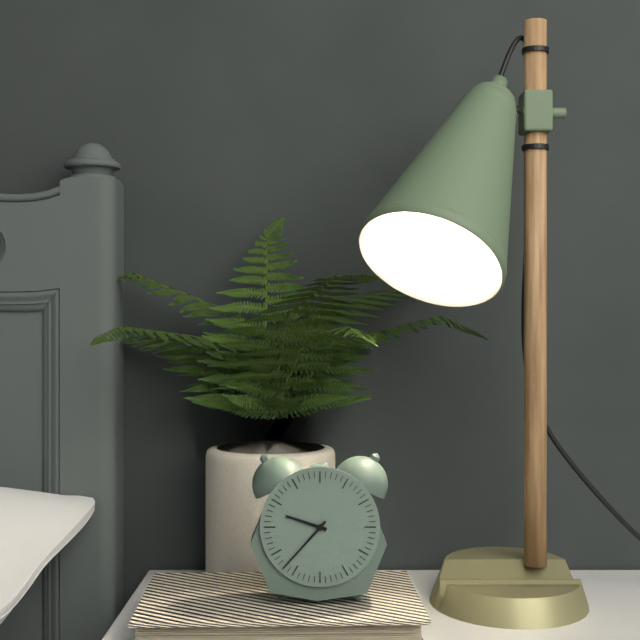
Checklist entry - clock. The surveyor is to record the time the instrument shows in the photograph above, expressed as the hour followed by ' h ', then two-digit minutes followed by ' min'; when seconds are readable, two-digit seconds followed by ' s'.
9 h 37 min
